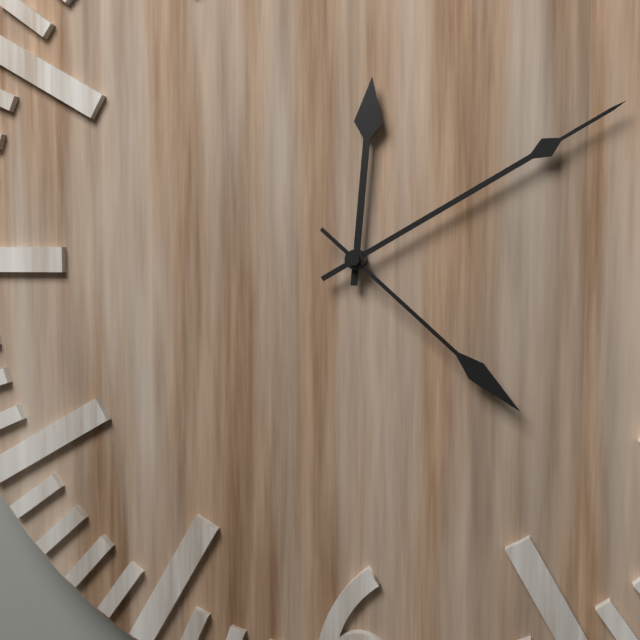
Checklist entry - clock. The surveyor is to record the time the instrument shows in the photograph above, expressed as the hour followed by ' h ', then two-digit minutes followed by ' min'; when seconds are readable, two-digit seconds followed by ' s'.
12 h 10 min 22 s
